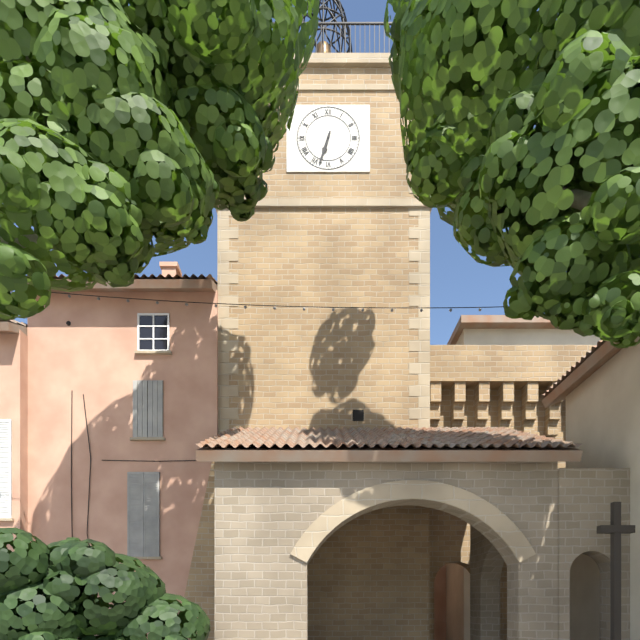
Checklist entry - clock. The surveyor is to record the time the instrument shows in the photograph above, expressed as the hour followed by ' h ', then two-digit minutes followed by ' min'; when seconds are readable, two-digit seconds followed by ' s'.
6 h 33 min
